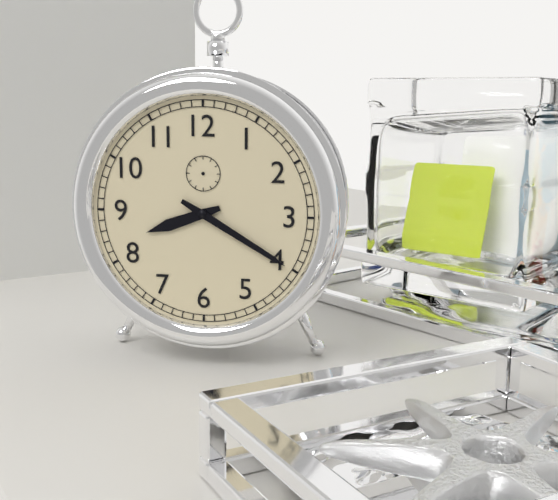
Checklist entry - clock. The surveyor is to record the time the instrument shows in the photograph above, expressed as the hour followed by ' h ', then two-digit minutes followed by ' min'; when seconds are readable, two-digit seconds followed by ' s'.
8 h 20 min
